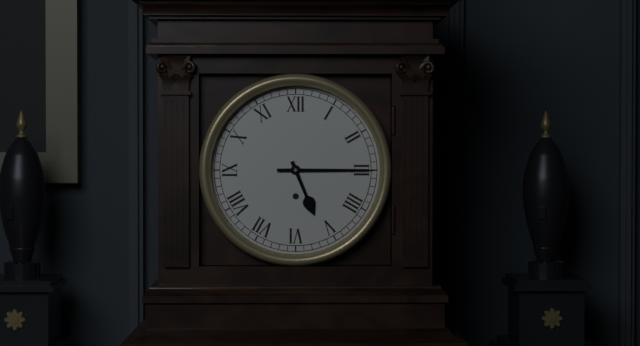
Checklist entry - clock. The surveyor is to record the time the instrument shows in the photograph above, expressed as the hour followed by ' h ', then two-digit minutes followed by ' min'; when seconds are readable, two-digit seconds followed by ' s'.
5 h 15 min
